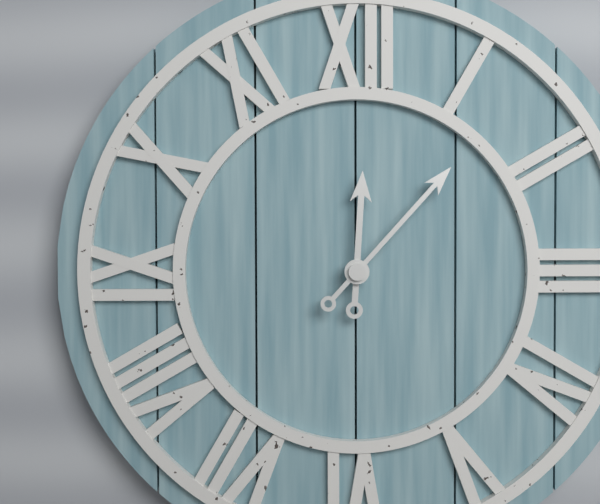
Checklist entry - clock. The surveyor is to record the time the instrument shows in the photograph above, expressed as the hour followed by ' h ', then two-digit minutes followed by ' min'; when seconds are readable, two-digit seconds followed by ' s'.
12 h 07 min
